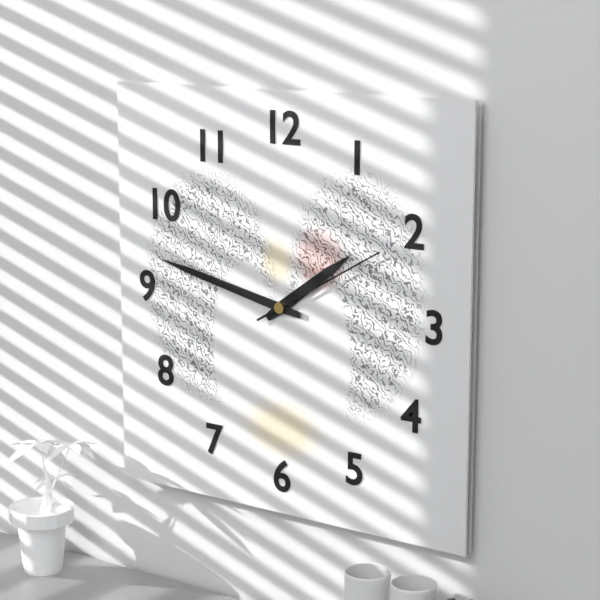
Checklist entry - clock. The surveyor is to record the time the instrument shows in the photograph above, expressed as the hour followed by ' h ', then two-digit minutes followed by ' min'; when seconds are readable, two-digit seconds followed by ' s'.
1 h 47 min 10 s
